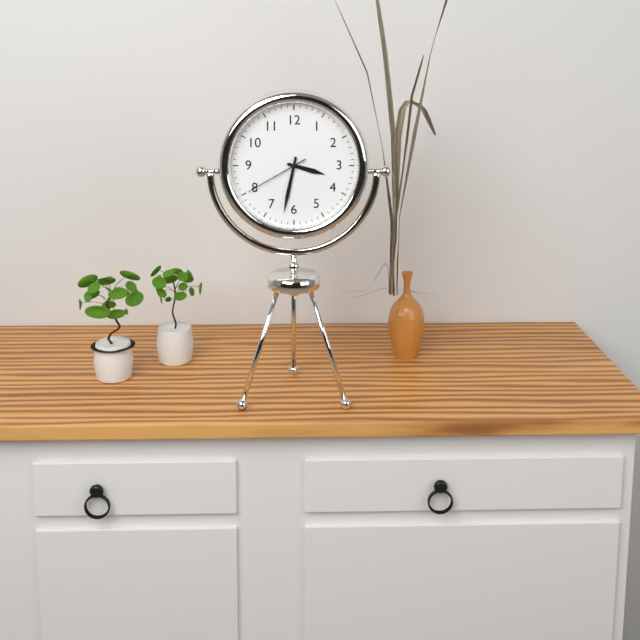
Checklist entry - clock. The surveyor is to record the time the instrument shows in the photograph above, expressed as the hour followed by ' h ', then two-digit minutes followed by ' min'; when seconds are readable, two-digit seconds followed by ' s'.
3 h 32 min 40 s
